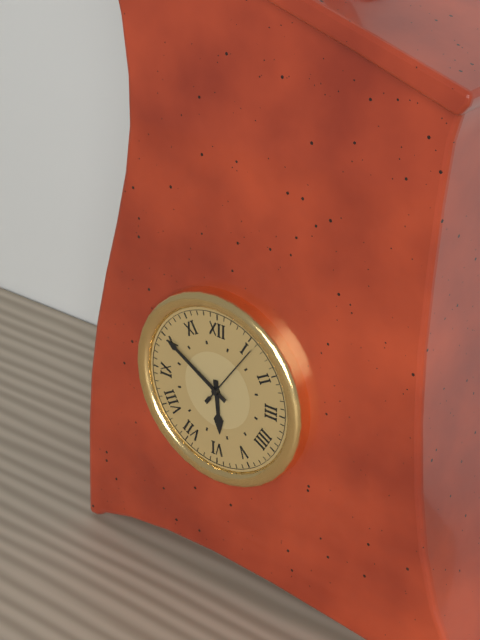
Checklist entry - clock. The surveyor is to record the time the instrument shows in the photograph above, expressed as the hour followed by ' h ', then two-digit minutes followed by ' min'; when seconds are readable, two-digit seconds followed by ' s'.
5 h 50 min 06 s
